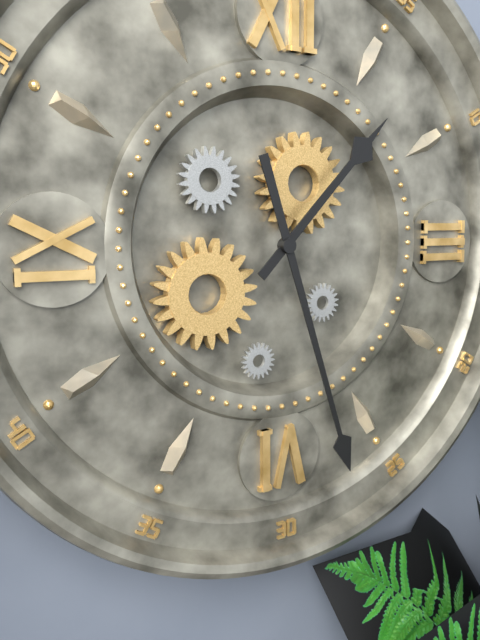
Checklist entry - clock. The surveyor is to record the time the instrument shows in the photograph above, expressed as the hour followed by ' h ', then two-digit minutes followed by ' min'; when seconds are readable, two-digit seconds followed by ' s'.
1 h 27 min
